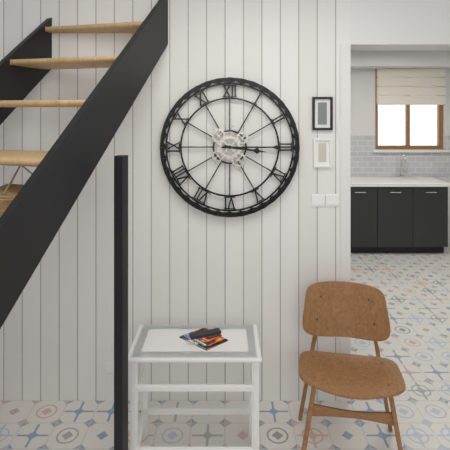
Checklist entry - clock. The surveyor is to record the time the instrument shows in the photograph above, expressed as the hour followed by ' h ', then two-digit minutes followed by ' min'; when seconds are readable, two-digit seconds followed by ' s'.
3 h 15 min
